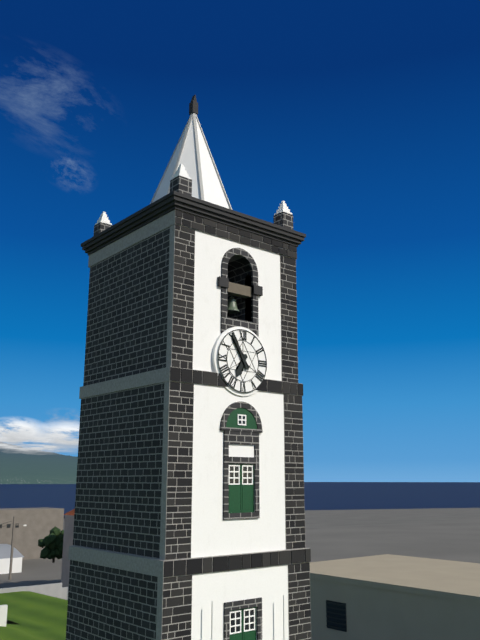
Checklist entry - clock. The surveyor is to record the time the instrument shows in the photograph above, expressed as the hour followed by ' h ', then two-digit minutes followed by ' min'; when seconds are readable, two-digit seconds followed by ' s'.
6 h 55 min
